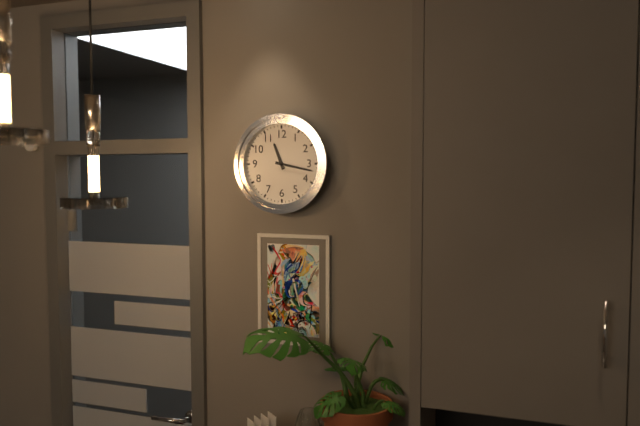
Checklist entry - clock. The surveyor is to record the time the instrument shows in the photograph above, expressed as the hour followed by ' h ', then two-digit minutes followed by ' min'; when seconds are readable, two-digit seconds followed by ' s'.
11 h 17 min
